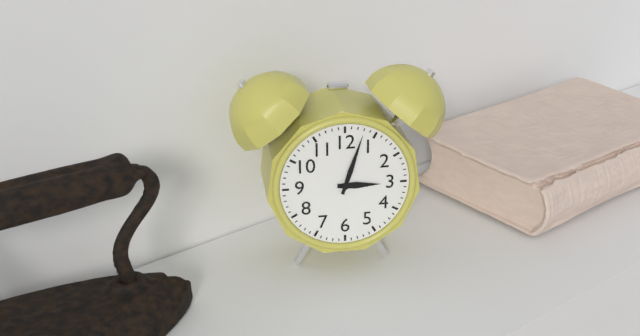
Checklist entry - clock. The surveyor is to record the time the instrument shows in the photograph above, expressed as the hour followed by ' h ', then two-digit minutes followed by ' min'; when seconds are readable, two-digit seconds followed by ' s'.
3 h 03 min
